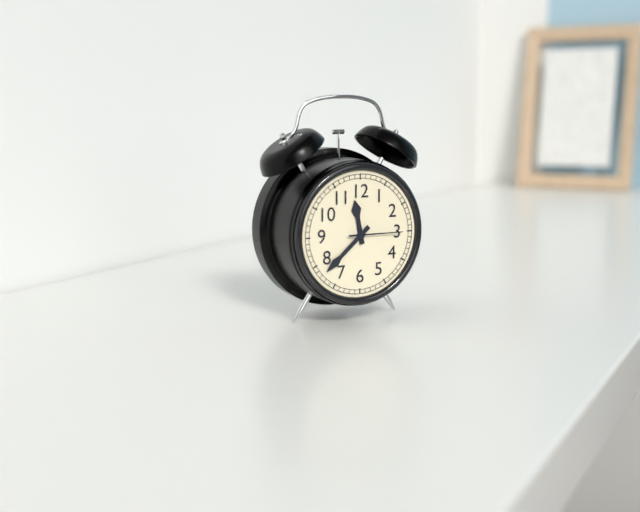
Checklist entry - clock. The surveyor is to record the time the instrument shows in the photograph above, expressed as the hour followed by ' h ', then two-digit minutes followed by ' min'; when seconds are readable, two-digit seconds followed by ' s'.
11 h 38 min 15 s
